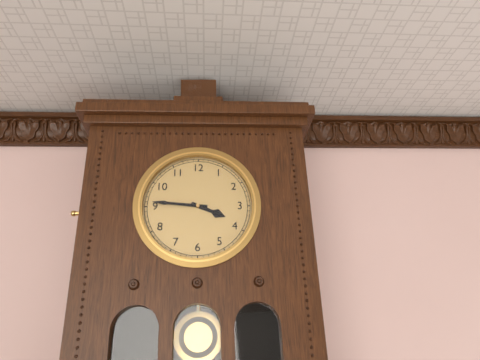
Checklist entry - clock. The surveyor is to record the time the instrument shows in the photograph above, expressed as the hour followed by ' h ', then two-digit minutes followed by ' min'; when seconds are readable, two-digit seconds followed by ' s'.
3 h 46 min
